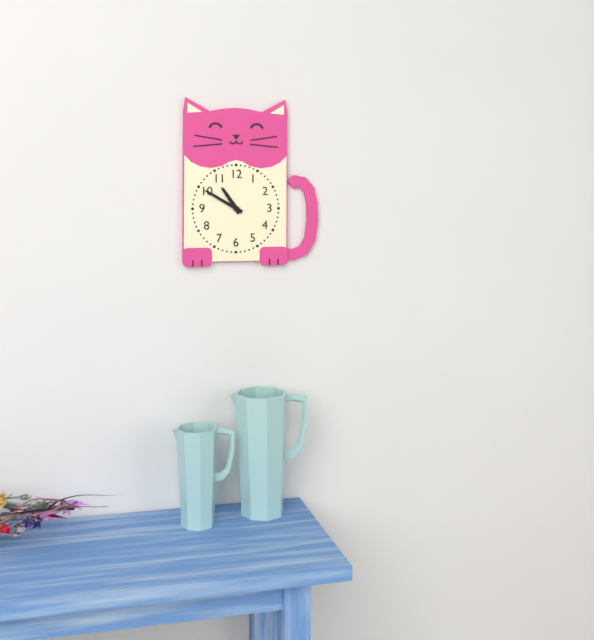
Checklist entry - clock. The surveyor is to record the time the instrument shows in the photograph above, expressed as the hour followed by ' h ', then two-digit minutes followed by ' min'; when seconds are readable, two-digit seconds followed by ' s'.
10 h 50 min
